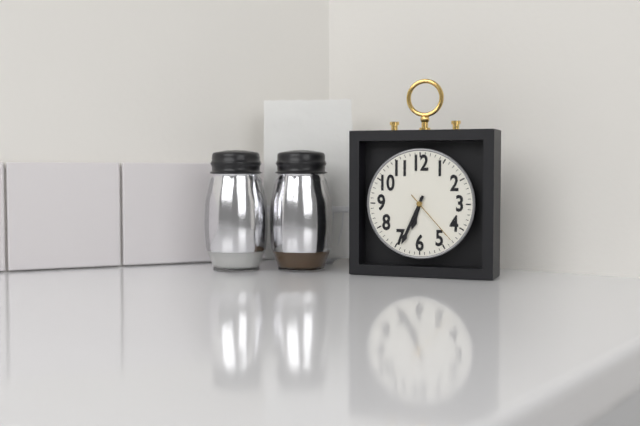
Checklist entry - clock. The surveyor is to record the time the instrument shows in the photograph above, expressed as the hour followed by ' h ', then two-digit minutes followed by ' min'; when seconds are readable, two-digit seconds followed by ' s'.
6 h 34 min 23 s
